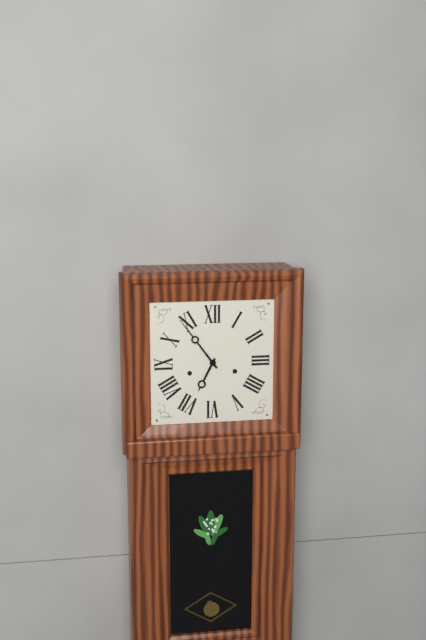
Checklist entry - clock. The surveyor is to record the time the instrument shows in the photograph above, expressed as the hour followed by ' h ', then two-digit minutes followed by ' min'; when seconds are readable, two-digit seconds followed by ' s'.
6 h 54 min
